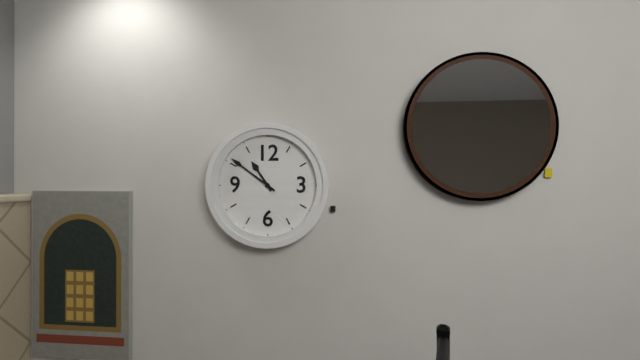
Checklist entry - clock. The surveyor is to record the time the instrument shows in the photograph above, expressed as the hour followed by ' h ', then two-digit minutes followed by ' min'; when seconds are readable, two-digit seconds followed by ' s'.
10 h 51 min
